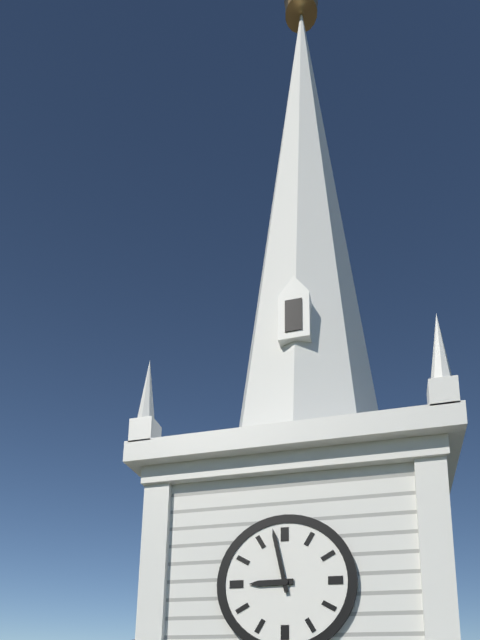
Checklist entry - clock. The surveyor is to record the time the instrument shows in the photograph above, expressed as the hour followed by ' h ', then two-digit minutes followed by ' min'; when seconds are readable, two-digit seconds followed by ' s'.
8 h 58 min
